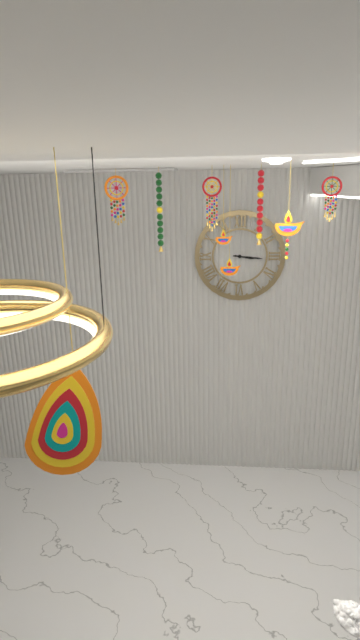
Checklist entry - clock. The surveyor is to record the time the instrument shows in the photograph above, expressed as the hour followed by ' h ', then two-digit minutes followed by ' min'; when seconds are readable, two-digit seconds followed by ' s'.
3 h 16 min
